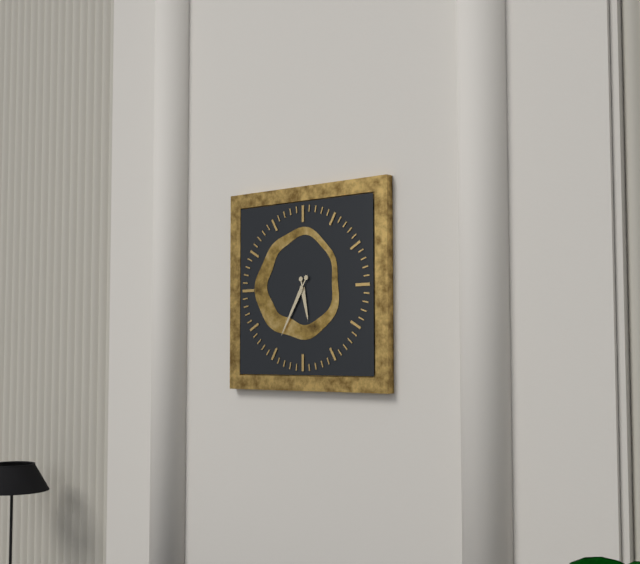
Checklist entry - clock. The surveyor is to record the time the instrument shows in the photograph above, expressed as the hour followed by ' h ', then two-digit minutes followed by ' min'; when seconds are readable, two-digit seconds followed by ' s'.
5 h 35 min
